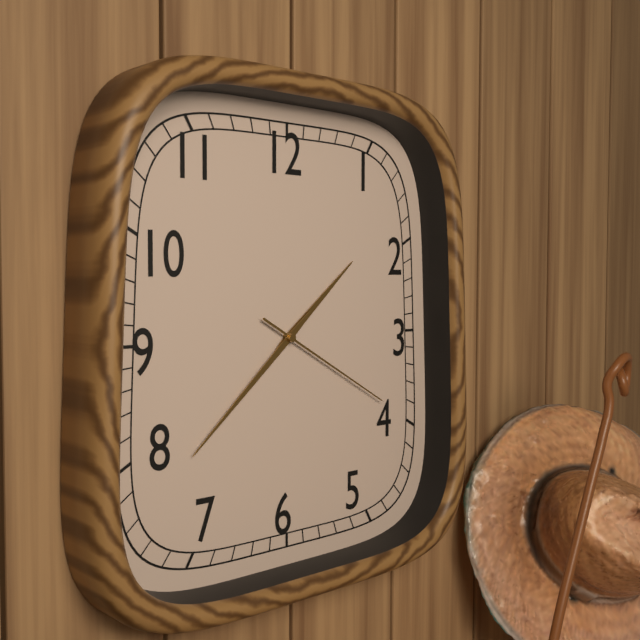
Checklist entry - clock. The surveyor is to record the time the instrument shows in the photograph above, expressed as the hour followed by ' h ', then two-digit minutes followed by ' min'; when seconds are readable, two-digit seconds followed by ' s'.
1 h 38 min 20 s
